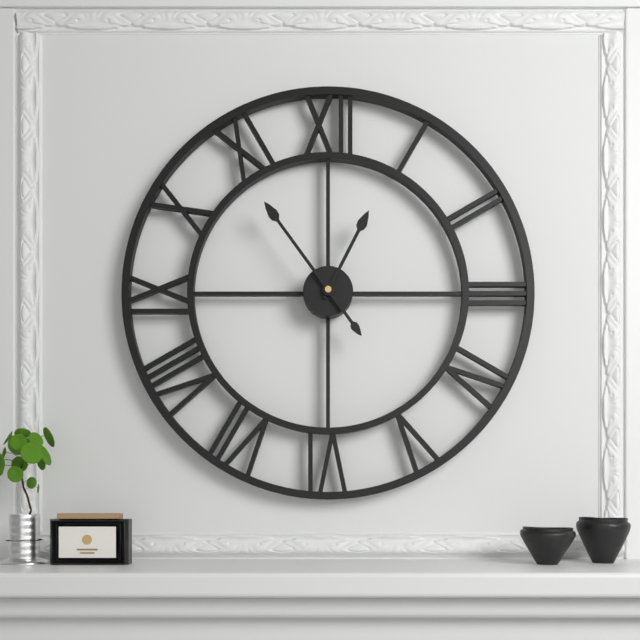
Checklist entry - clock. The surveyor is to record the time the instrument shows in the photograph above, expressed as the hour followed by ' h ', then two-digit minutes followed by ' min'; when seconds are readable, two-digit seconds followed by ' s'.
12 h 54 min
